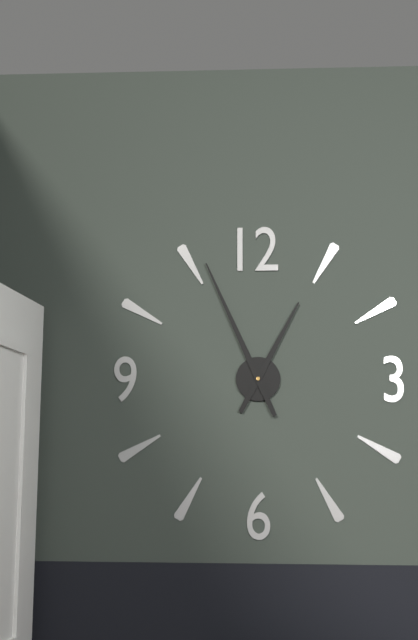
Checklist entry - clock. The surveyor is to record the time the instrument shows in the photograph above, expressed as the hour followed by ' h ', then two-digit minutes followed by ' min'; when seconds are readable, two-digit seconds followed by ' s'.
12 h 56 min
